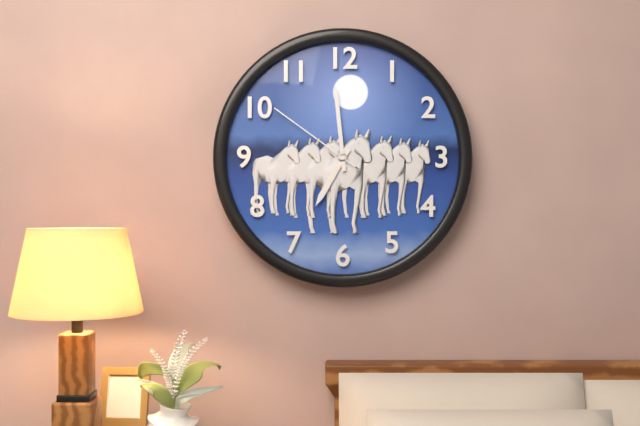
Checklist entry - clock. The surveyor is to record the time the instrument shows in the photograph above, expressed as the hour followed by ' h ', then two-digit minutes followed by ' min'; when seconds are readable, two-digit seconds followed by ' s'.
6 h 59 min 51 s
